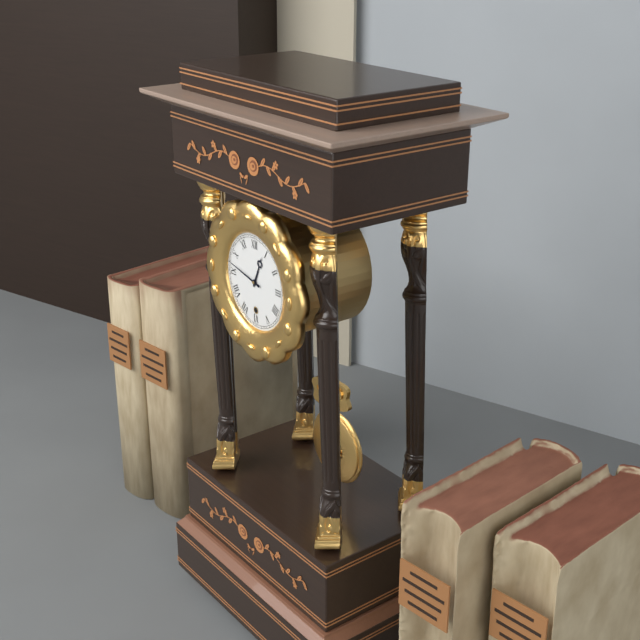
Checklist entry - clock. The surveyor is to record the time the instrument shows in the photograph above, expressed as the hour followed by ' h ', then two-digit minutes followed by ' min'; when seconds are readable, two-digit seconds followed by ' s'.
12 h 47 min
